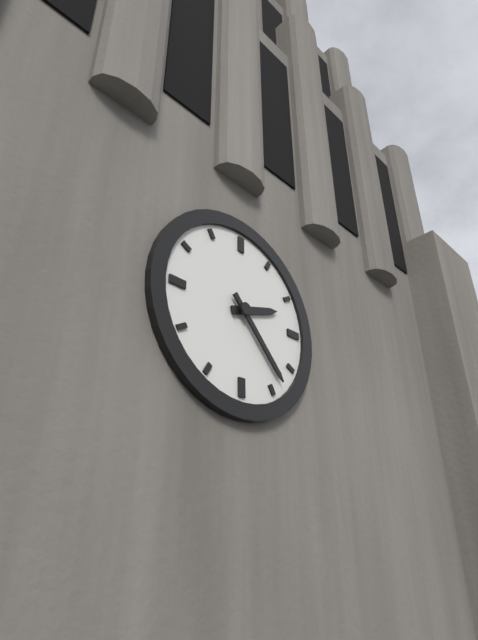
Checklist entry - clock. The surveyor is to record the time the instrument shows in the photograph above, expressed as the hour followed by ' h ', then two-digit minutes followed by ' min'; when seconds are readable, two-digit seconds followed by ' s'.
2 h 23 min
